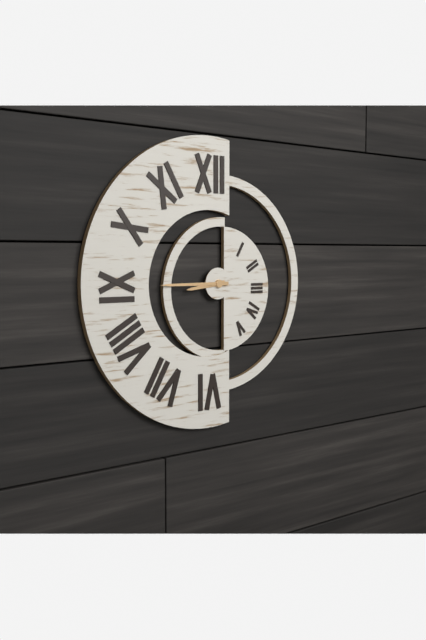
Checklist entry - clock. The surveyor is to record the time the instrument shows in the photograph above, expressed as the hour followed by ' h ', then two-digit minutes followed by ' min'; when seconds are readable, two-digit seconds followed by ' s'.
8 h 45 min
